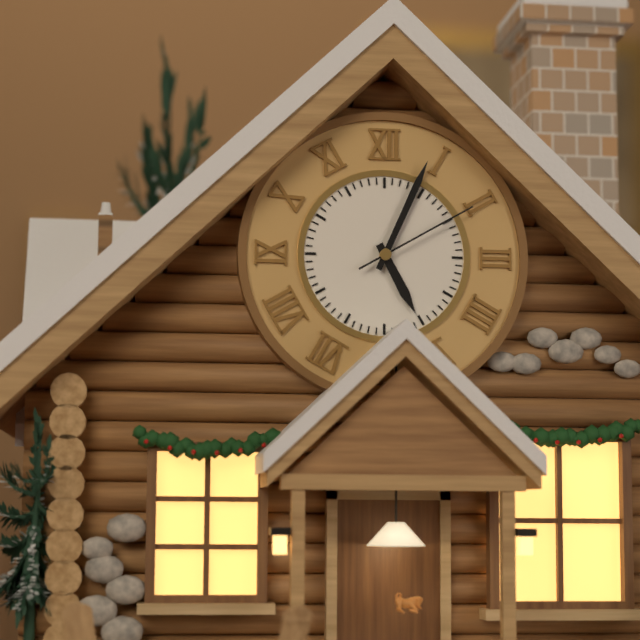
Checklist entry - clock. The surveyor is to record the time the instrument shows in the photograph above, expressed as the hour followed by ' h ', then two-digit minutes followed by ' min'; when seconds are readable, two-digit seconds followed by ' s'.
5 h 04 min 10 s
